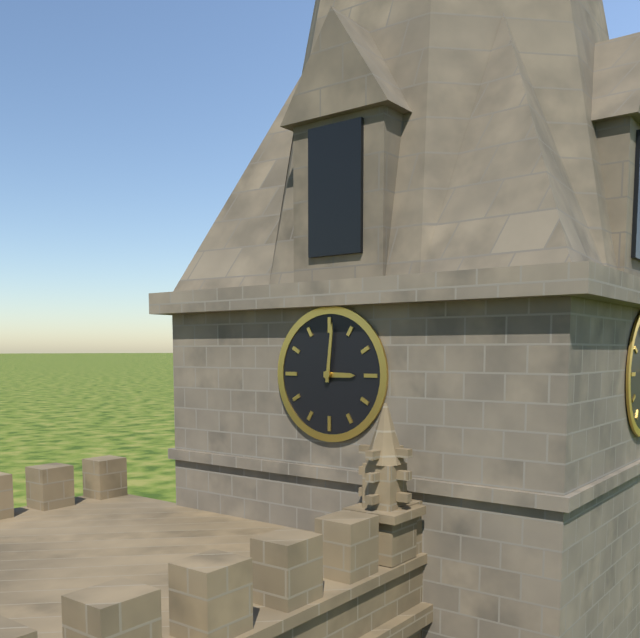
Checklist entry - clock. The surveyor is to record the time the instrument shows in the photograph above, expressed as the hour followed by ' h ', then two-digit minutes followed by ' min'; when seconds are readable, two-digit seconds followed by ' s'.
3 h 01 min
